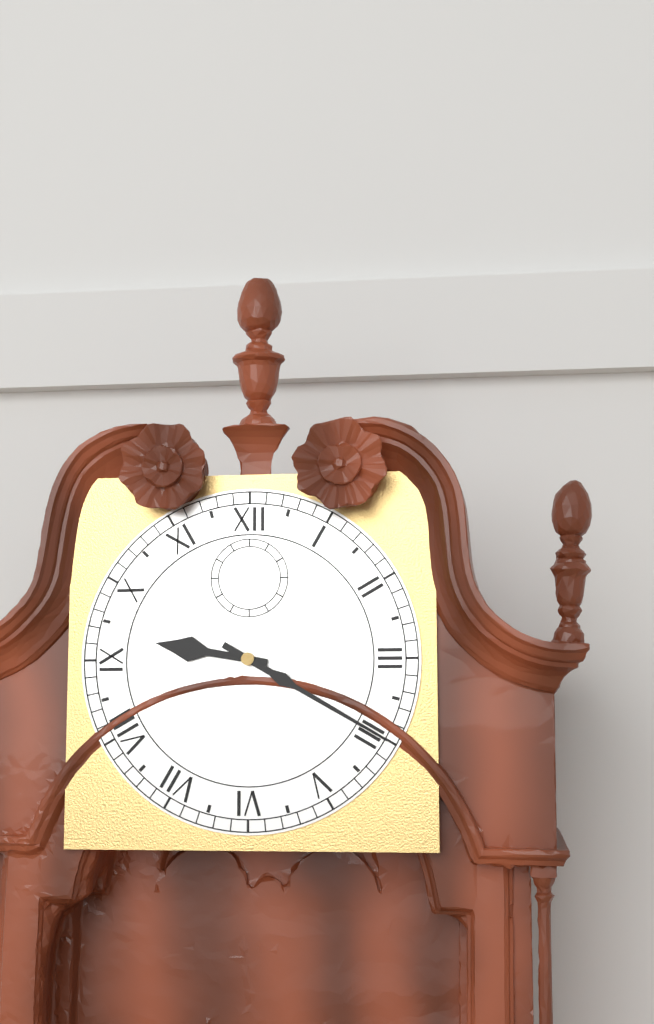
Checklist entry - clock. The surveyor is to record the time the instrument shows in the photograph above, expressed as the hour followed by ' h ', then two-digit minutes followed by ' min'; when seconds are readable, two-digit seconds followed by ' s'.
9 h 20 min
